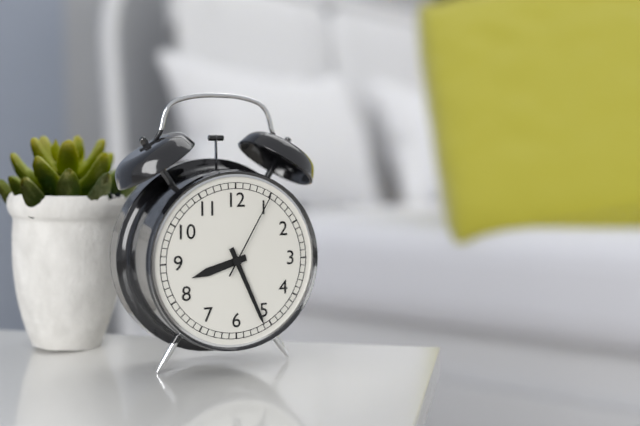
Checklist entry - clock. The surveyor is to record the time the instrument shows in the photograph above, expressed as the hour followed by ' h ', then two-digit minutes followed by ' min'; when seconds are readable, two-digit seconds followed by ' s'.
8 h 26 min 05 s
